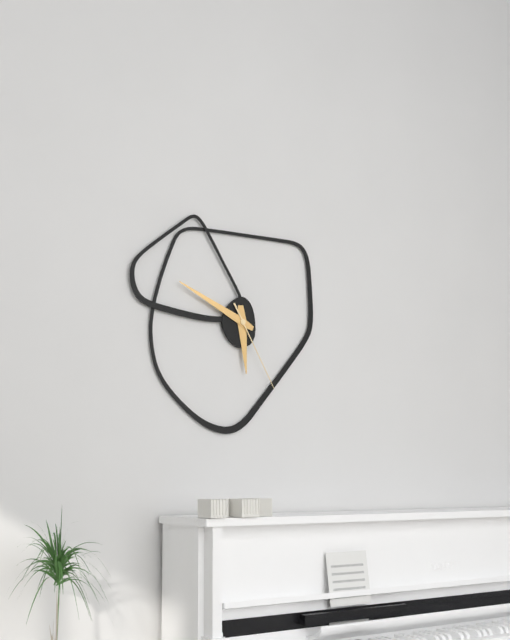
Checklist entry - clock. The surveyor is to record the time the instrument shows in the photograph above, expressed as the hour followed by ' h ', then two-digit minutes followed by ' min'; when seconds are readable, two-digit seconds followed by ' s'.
5 h 49 min 25 s
